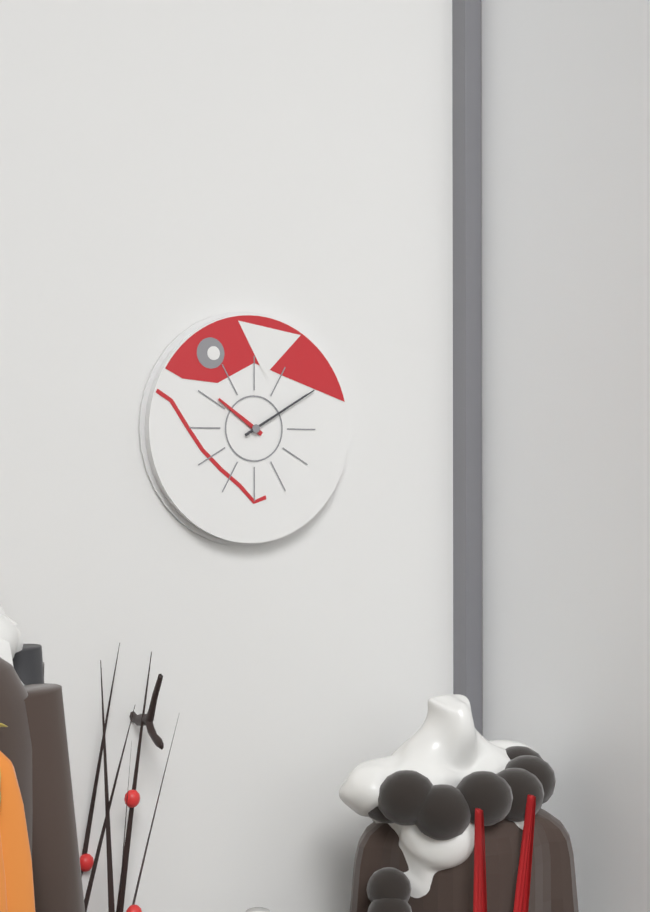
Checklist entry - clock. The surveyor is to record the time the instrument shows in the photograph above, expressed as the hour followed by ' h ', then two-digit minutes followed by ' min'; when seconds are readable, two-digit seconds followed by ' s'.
10 h 10 min
